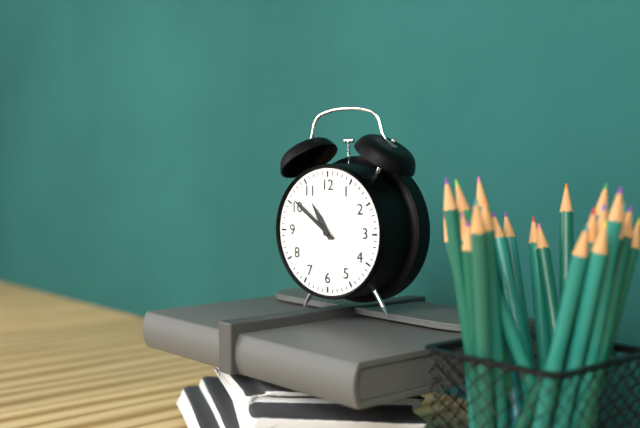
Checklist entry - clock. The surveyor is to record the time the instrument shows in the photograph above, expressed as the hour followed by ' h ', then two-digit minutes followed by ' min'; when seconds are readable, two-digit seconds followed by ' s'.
10 h 51 min
